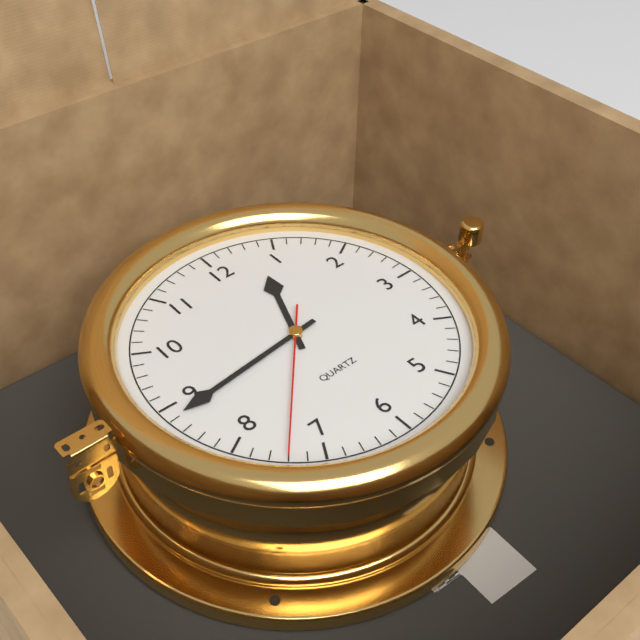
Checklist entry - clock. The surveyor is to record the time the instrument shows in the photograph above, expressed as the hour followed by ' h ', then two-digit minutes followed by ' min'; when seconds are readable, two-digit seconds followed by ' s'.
12 h 44 min 37 s
